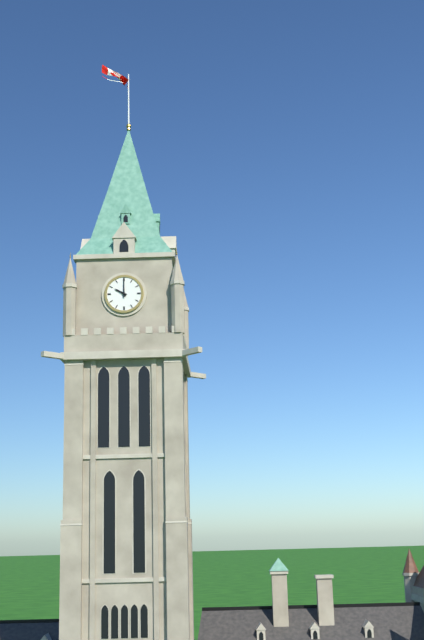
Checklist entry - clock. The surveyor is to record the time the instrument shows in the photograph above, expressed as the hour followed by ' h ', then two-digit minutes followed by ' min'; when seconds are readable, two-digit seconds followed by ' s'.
10 h 00 min
